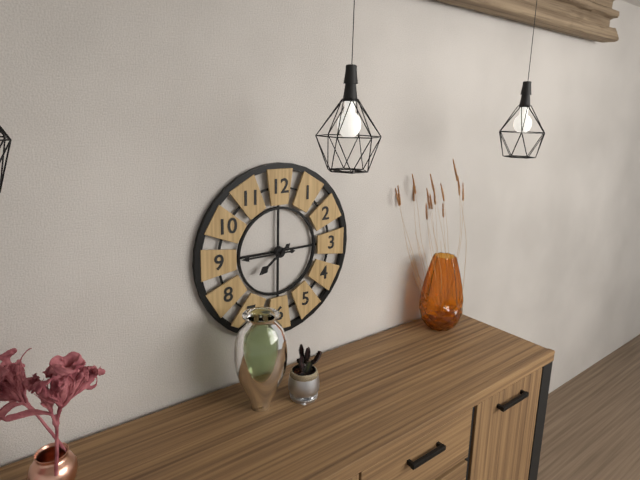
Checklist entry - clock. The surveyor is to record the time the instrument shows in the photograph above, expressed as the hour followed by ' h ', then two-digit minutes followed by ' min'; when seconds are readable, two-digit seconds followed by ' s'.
7 h 45 min
